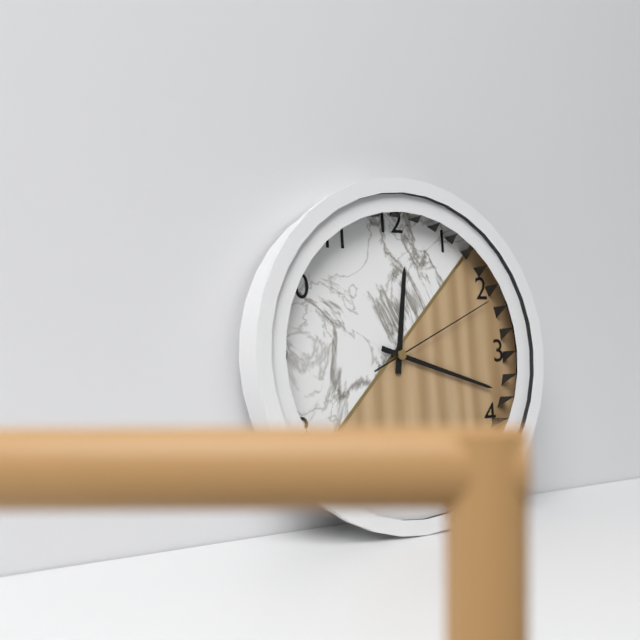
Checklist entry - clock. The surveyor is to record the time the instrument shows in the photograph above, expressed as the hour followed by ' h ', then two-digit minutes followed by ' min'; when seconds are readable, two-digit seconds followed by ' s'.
12 h 18 min 11 s
